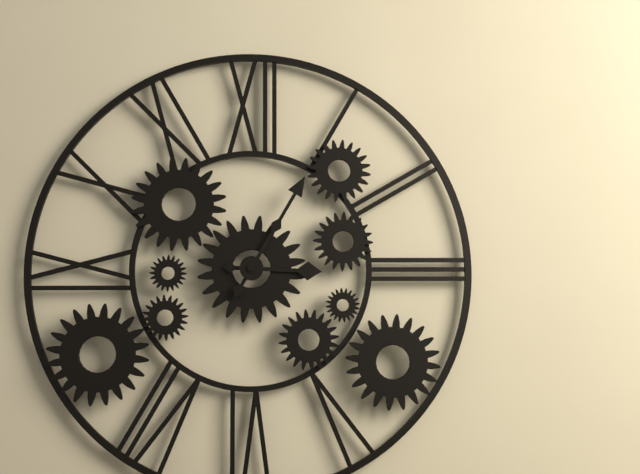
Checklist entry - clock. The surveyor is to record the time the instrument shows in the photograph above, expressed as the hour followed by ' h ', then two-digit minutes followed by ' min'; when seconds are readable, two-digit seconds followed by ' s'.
3 h 05 min
